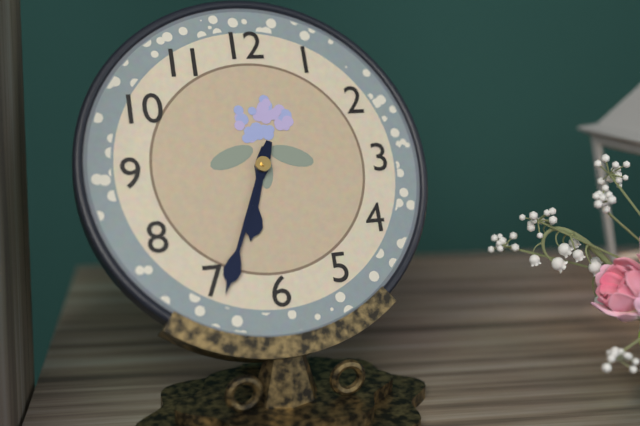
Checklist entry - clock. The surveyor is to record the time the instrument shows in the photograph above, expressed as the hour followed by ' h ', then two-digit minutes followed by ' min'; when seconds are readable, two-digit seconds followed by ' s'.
6 h 34 min
